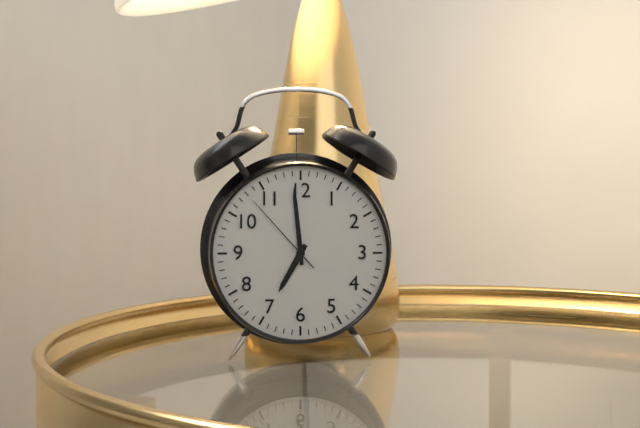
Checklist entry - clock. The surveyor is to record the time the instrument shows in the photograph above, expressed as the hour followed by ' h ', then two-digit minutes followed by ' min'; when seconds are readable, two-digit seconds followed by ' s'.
6 h 59 min 53 s
